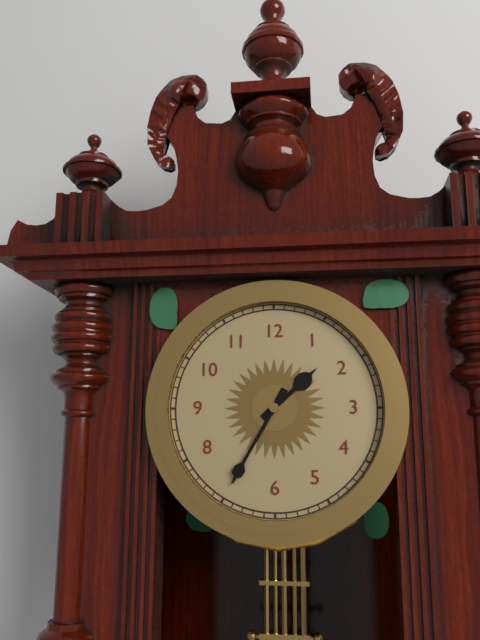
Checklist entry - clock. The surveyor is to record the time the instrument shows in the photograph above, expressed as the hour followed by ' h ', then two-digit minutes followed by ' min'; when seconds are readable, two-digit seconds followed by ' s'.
1 h 35 min
